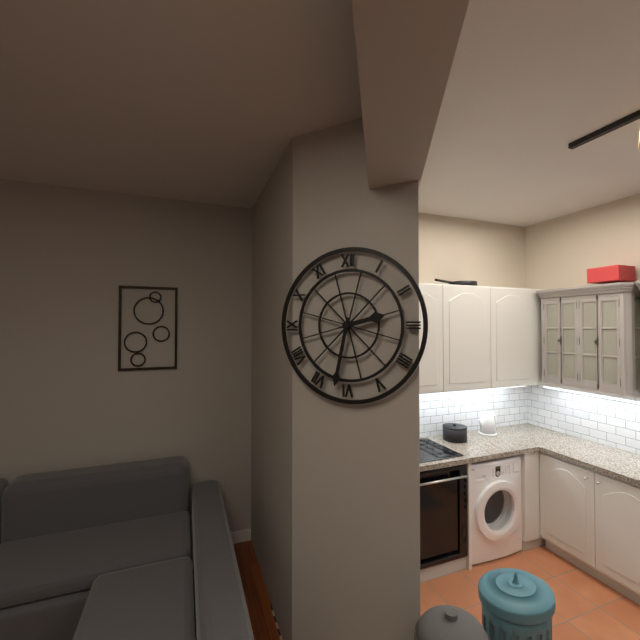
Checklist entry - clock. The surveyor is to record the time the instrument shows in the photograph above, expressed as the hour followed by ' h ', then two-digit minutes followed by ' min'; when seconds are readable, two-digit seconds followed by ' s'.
2 h 32 min
